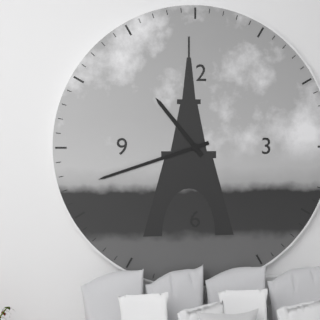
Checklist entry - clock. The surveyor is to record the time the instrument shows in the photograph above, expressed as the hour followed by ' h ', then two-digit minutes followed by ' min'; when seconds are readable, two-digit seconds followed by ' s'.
10 h 42 min
